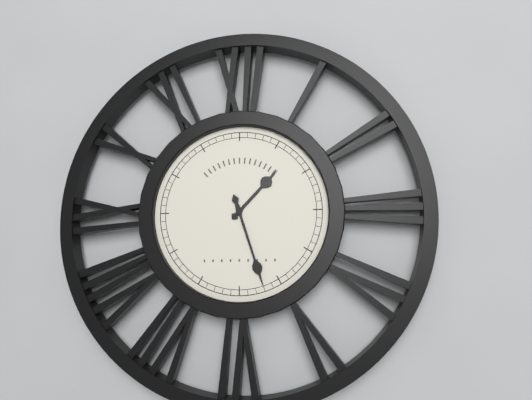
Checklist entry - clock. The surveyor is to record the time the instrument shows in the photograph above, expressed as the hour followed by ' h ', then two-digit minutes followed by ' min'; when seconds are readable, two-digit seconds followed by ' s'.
1 h 27 min
